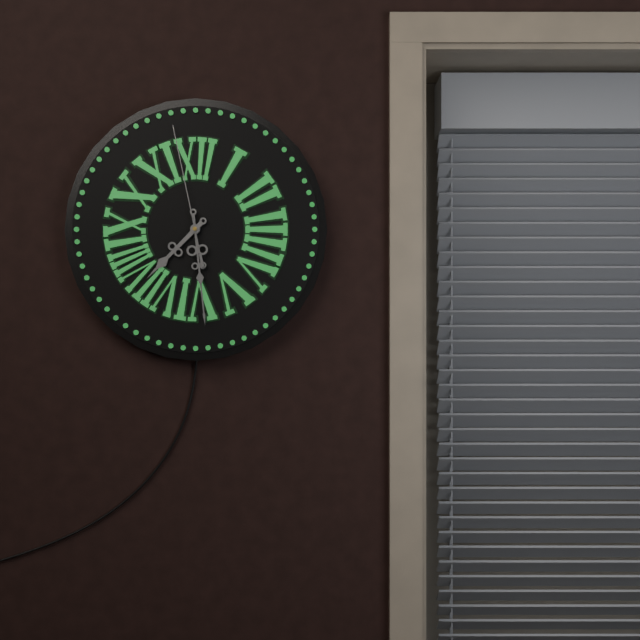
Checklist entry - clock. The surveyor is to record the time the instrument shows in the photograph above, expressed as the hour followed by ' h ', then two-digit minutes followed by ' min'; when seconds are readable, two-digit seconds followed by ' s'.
7 h 29 min 58 s
